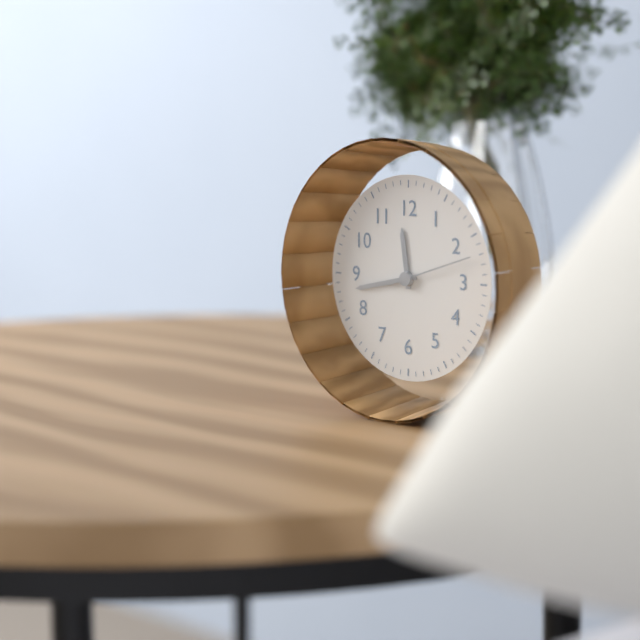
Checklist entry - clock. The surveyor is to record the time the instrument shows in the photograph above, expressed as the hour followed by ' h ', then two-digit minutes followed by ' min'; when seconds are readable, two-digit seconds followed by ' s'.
11 h 43 min 12 s
